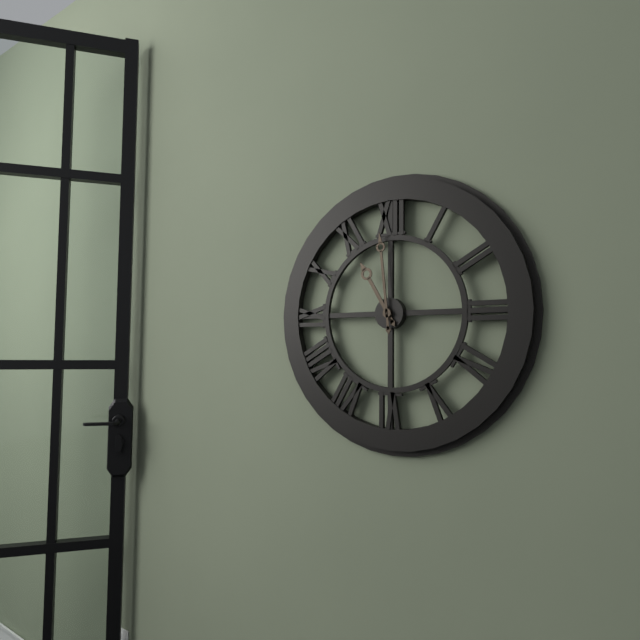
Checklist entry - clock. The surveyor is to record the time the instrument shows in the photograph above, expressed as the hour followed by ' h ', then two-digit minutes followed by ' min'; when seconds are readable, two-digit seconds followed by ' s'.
10 h 59 min
